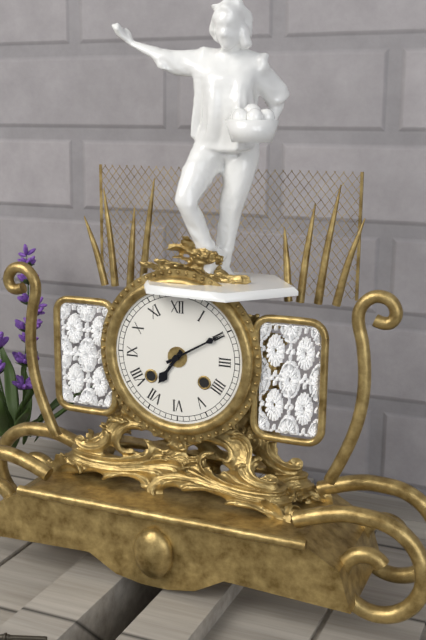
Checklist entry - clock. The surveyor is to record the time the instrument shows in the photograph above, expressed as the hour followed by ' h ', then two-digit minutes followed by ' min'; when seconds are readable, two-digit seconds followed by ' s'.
7 h 10 min
